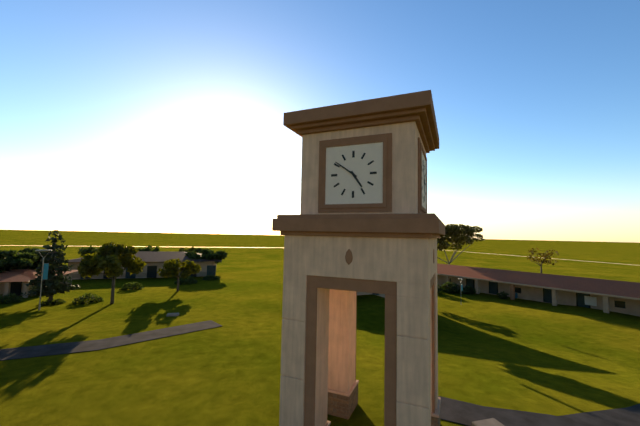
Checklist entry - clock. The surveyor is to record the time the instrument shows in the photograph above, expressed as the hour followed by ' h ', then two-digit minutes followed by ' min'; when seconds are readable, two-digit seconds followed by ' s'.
4 h 51 min
